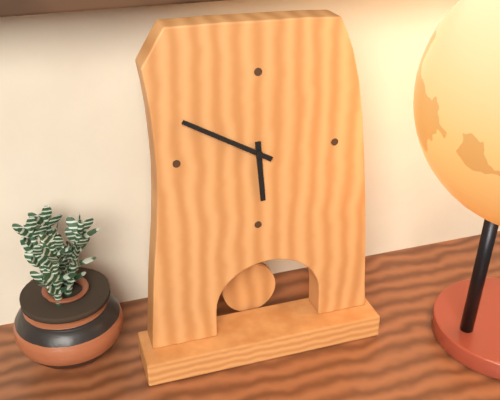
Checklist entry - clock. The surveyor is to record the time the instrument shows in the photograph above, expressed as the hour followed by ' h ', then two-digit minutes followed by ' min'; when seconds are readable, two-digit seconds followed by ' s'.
5 h 50 min
